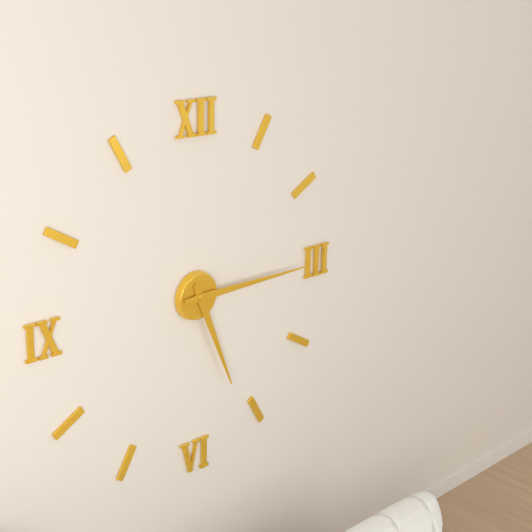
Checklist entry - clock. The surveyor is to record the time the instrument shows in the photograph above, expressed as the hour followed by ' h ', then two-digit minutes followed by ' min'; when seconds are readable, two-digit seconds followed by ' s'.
5 h 15 min
